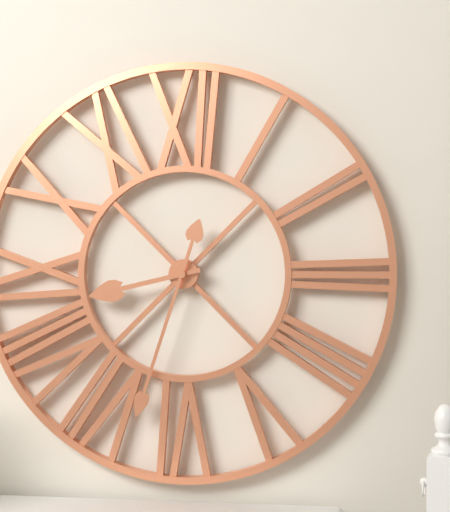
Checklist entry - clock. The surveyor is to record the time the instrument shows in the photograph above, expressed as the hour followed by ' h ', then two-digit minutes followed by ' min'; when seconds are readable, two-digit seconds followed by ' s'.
8 h 33 min
